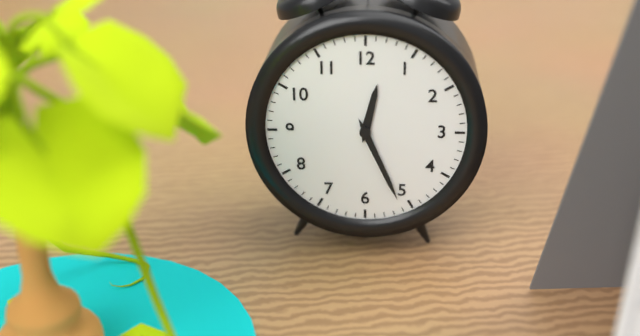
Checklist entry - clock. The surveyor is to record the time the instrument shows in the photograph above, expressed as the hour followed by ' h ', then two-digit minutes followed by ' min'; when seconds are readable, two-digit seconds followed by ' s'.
12 h 26 min
